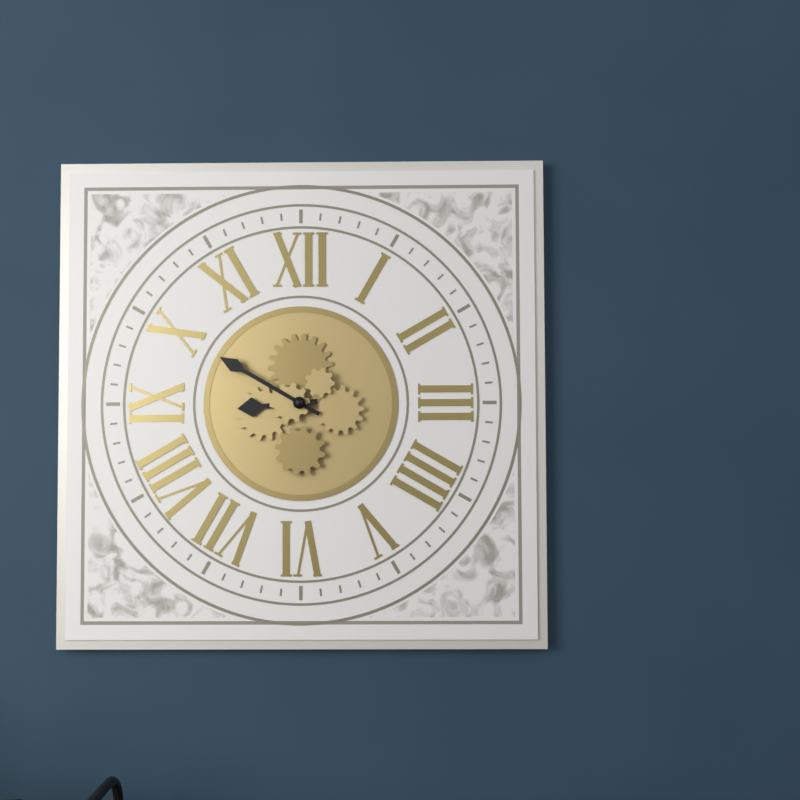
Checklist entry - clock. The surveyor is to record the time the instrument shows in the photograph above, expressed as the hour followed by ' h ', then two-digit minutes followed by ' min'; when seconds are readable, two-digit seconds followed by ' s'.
8 h 50 min
